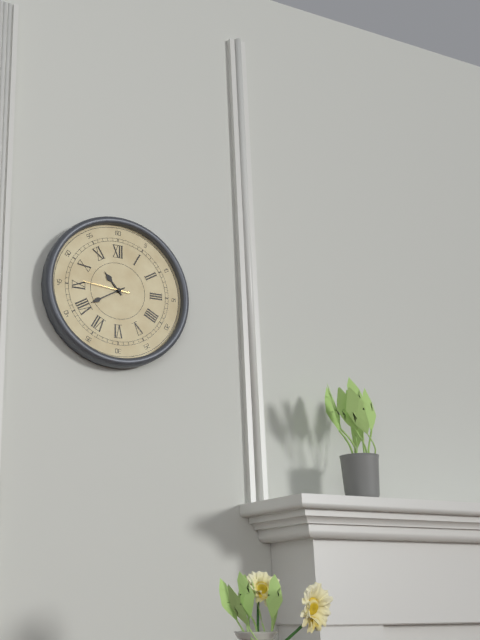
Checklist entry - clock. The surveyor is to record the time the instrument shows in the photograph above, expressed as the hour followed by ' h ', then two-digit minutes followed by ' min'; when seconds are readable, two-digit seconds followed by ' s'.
10 h 40 min
